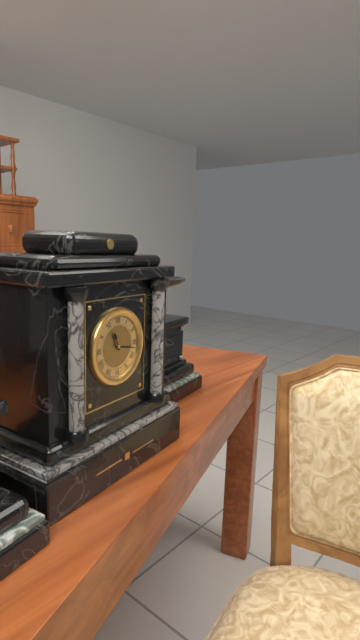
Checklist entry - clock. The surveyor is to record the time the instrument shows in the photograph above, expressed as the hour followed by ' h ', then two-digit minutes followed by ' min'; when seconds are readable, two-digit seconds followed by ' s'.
11 h 17 min
